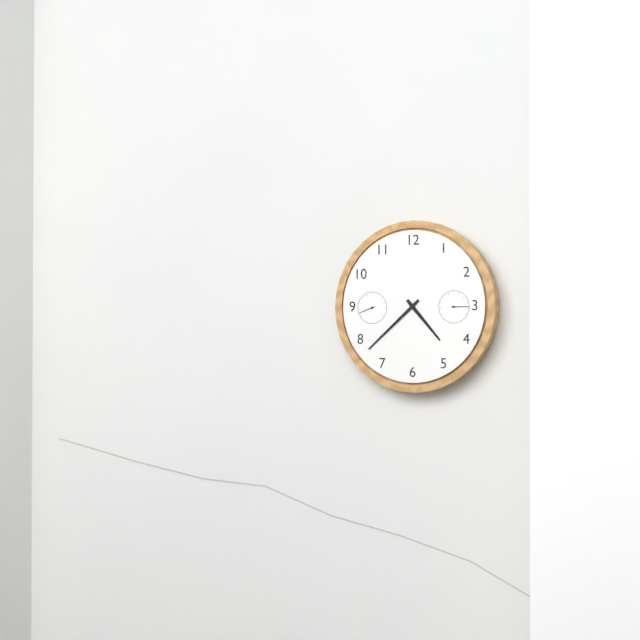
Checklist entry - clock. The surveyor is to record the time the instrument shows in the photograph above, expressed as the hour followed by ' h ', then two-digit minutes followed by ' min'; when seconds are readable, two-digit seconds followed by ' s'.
4 h 38 min
